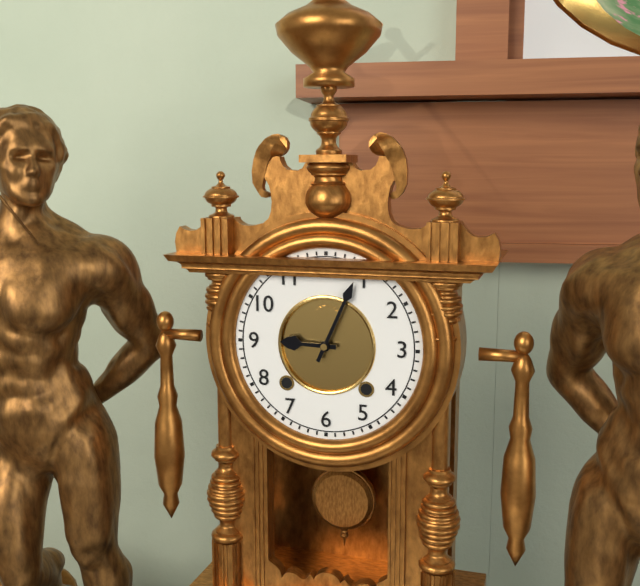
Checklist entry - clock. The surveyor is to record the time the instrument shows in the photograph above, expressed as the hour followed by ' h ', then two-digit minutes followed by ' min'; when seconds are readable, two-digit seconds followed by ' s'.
9 h 04 min
